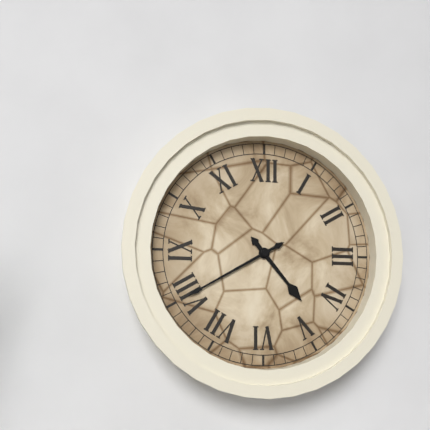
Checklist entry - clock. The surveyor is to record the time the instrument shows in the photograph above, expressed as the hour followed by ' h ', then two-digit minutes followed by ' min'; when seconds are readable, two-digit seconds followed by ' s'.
4 h 40 min
